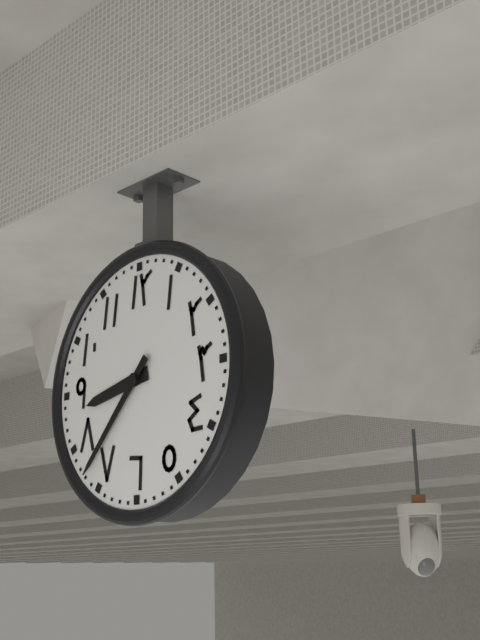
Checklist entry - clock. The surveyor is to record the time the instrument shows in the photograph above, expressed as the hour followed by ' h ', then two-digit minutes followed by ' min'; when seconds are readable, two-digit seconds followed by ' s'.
8 h 37 min
